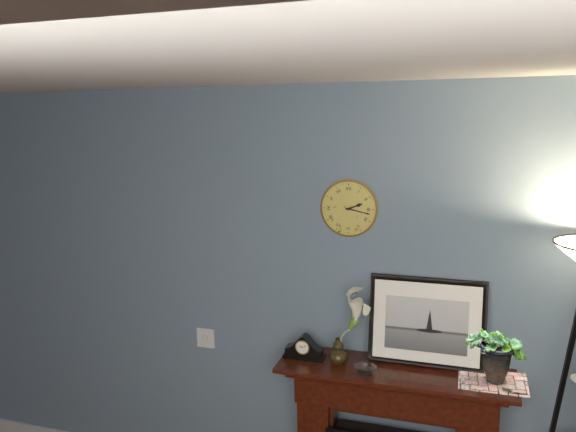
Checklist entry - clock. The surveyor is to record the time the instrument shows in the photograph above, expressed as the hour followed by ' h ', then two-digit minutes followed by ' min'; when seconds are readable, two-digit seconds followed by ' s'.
2 h 17 min
